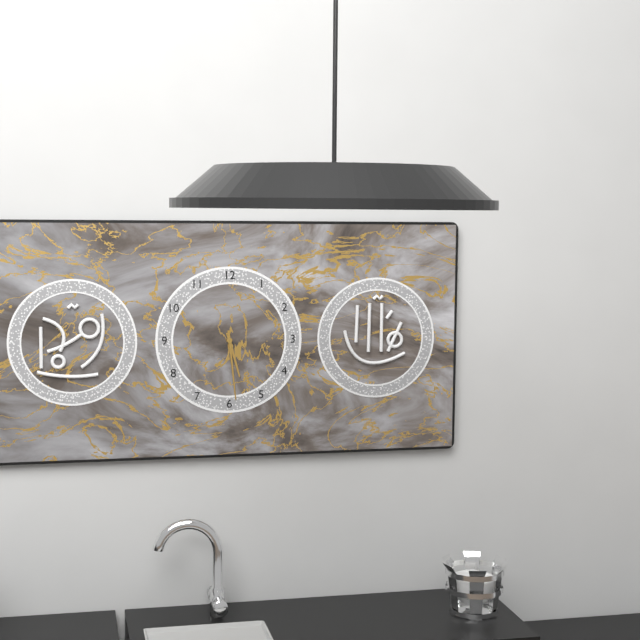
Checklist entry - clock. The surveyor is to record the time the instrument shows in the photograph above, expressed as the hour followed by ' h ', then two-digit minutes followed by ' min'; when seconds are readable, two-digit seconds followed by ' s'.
5 h 29 min
